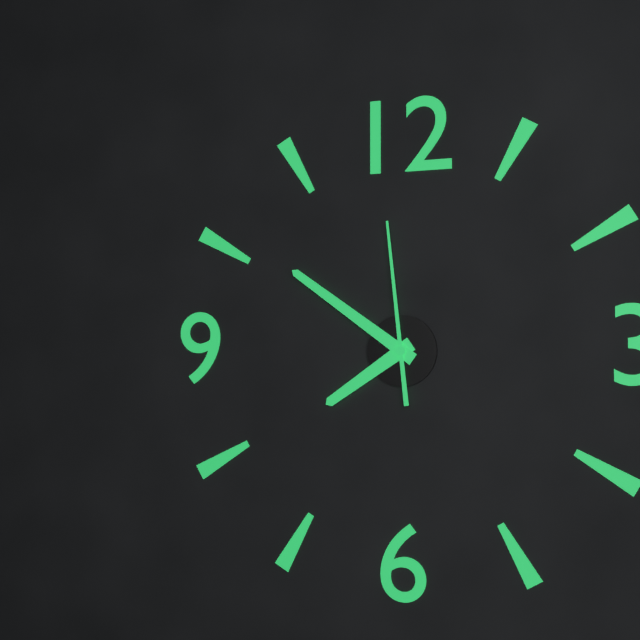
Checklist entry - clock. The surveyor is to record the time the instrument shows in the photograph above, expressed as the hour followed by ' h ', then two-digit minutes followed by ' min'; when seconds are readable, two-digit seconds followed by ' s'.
7 h 51 min 59 s
